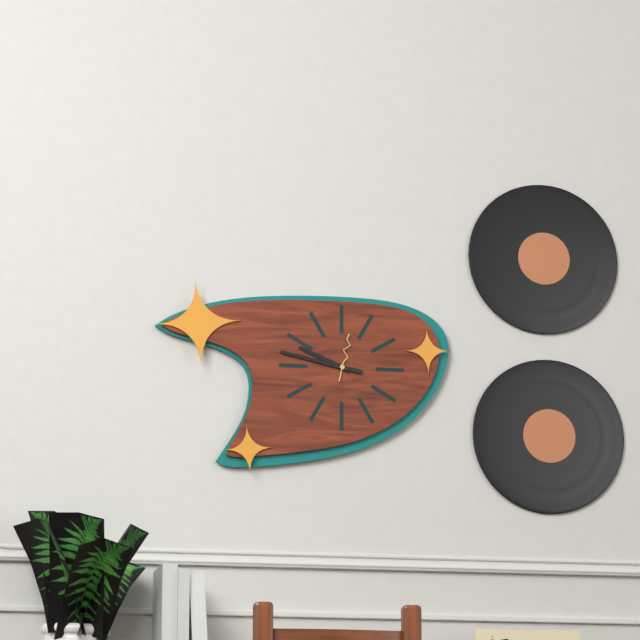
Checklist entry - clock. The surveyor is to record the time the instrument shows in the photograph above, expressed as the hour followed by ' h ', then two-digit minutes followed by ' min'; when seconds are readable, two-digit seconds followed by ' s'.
9 h 47 min
